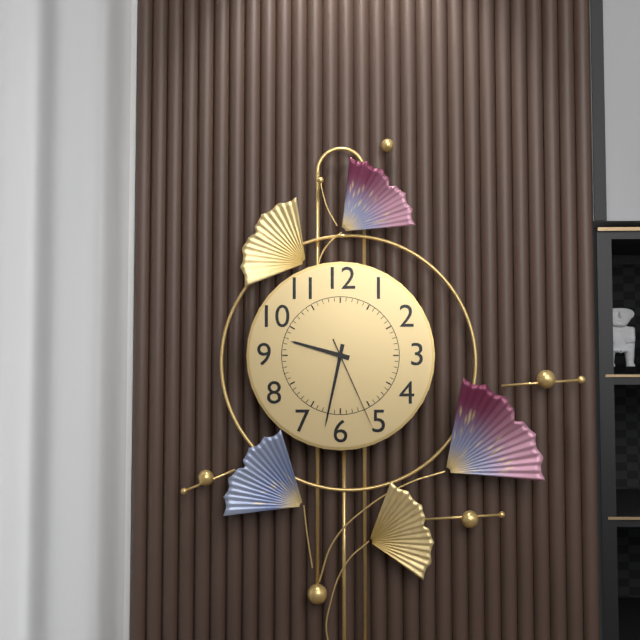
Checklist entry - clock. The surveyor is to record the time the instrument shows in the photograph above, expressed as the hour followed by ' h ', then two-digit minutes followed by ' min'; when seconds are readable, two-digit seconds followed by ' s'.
9 h 32 min 26 s
